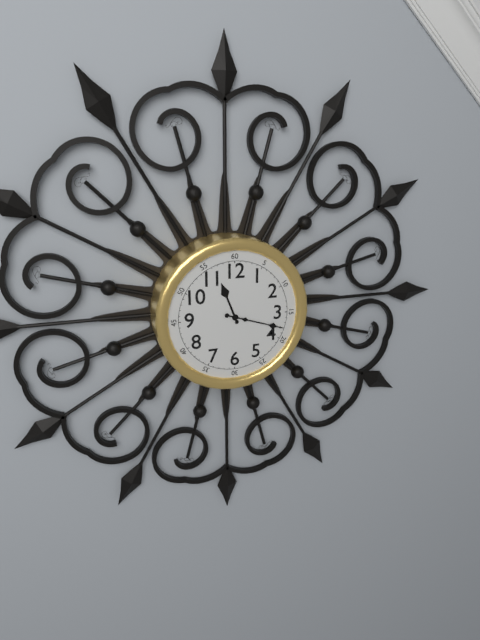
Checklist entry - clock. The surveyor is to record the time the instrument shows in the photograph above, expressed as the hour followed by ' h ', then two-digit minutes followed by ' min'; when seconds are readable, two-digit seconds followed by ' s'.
11 h 18 min
